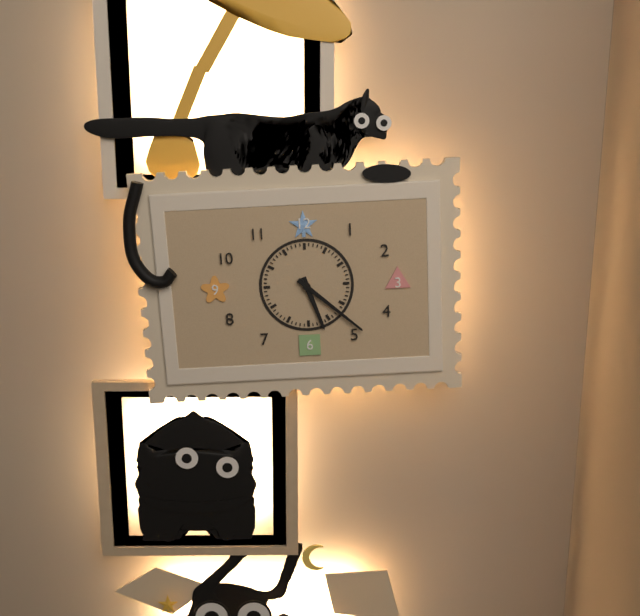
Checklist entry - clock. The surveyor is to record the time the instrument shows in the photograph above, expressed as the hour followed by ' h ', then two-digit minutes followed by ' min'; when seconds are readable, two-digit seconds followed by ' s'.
5 h 22 min
